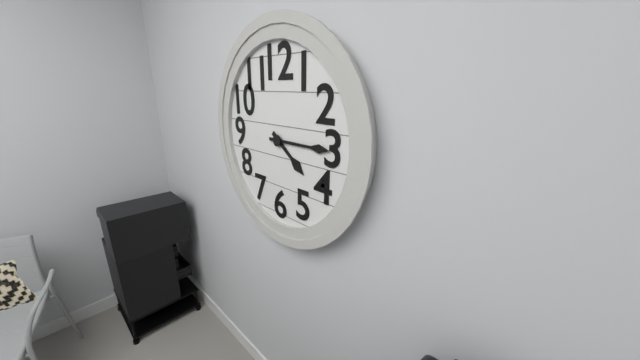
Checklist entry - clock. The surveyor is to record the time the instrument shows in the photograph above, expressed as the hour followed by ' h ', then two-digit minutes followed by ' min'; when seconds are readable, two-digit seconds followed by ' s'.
4 h 15 min
